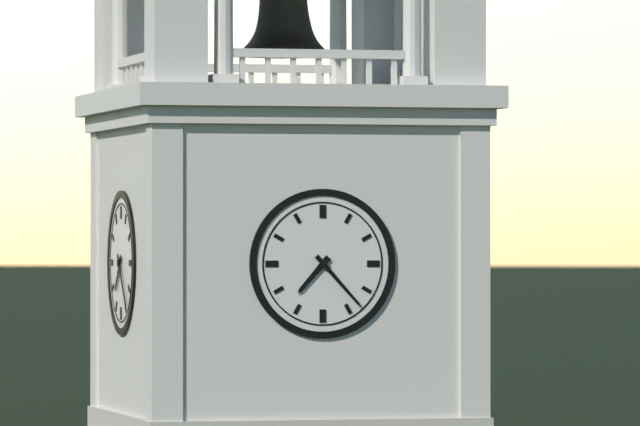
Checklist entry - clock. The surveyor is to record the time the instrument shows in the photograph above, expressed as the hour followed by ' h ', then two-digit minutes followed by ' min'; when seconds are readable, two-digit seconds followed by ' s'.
7 h 23 min
